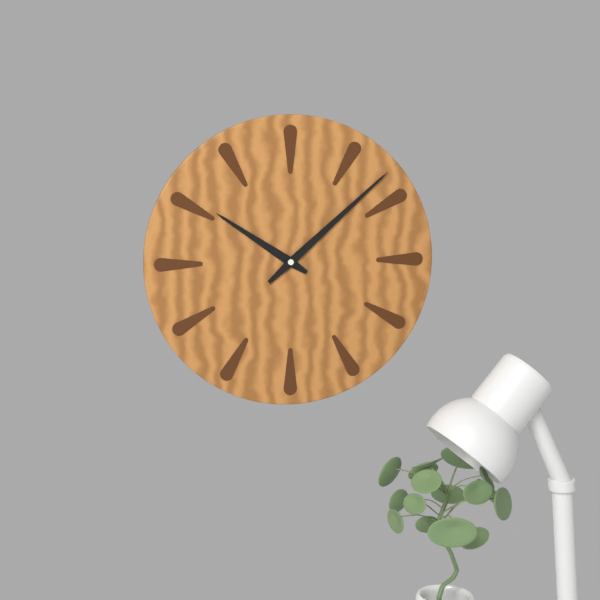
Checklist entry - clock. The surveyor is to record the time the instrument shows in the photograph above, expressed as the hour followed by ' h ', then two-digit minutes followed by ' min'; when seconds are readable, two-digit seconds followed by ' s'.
10 h 08 min
